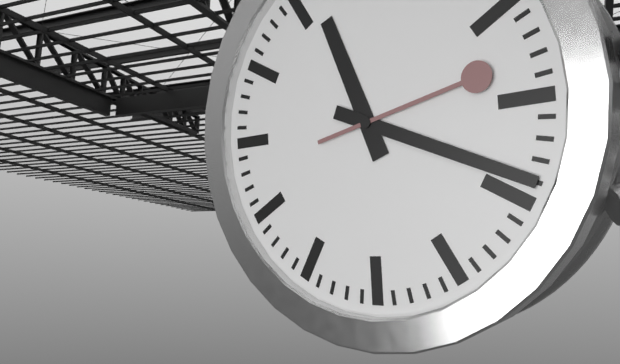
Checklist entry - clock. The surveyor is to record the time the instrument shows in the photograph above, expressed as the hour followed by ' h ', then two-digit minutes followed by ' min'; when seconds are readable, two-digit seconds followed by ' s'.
11 h 19 min 13 s
